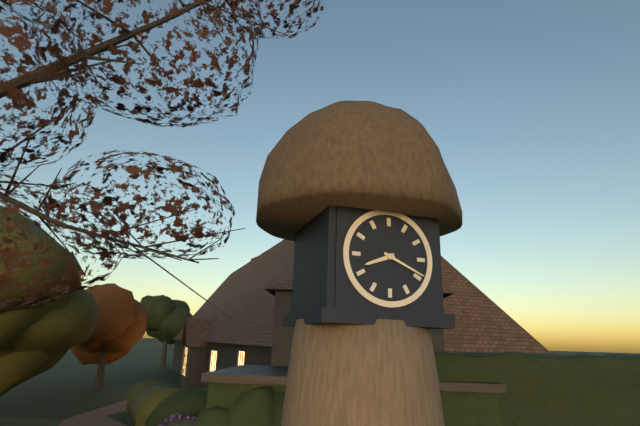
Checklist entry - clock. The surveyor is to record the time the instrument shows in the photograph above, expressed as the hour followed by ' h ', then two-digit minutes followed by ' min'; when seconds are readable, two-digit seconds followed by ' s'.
8 h 19 min
